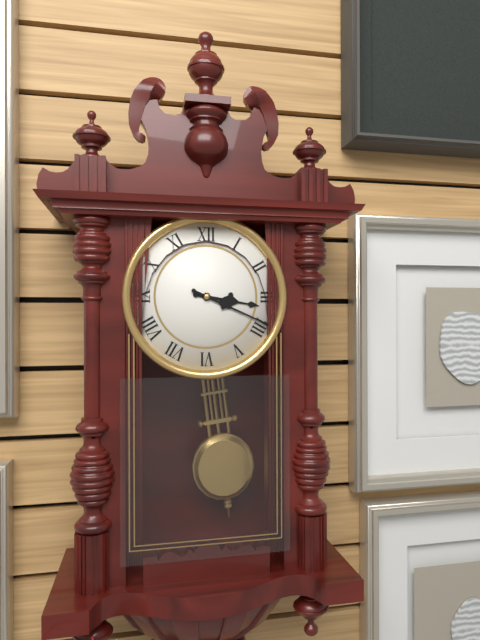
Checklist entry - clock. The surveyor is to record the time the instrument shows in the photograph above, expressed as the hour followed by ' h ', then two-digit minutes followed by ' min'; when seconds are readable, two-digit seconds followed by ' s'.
3 h 19 min
